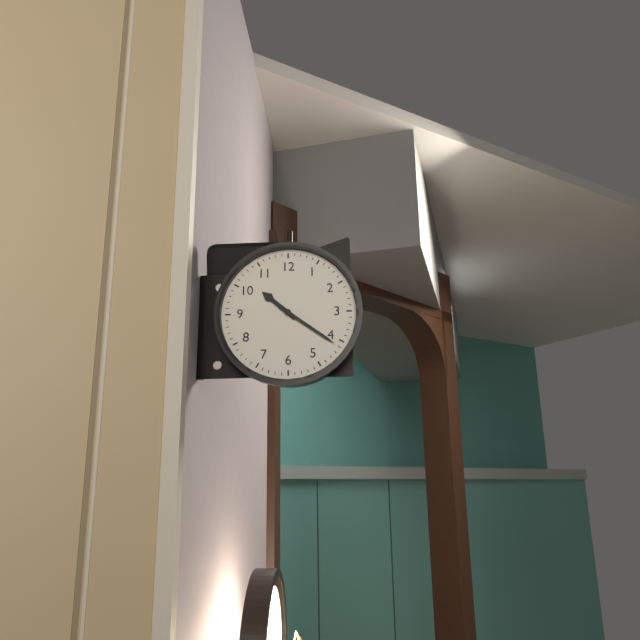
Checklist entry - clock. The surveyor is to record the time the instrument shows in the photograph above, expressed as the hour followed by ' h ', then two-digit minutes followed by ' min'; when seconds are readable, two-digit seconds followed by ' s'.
10 h 21 min
